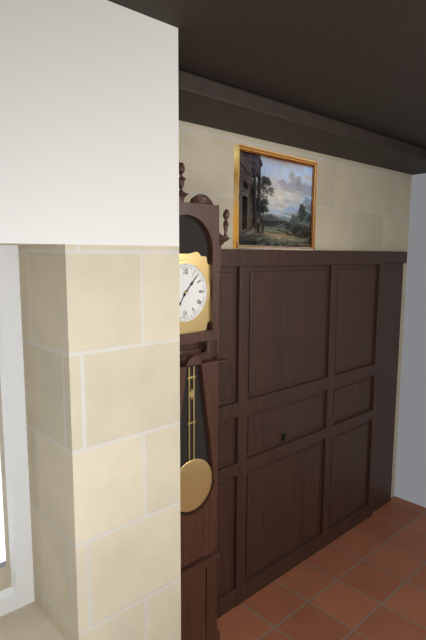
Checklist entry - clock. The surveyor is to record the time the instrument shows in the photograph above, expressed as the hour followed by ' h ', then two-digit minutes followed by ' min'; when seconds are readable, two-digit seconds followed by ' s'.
7 h 07 min
